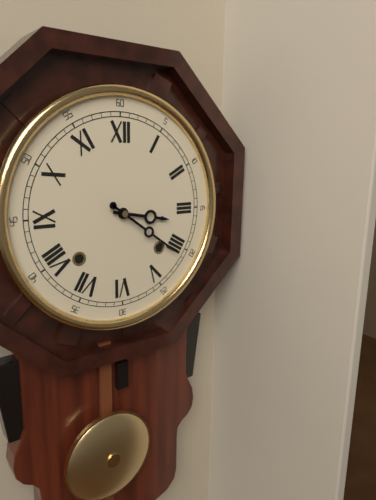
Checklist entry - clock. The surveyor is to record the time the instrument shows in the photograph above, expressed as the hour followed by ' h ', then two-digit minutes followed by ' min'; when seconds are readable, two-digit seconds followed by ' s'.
3 h 21 min
